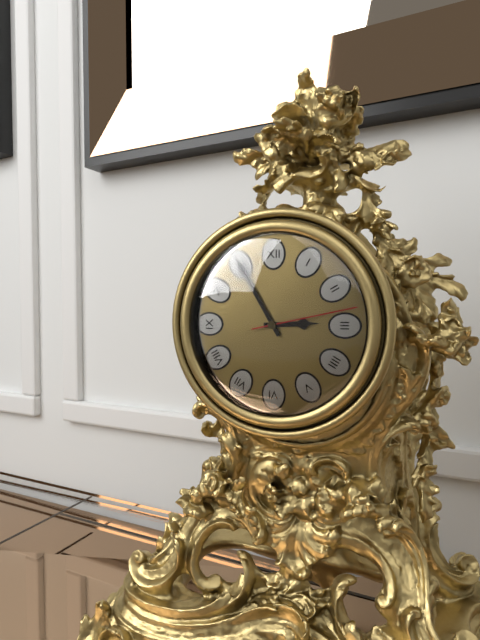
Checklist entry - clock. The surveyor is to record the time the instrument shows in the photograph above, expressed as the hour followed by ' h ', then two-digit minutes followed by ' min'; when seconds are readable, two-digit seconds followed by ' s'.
2 h 55 min 13 s
